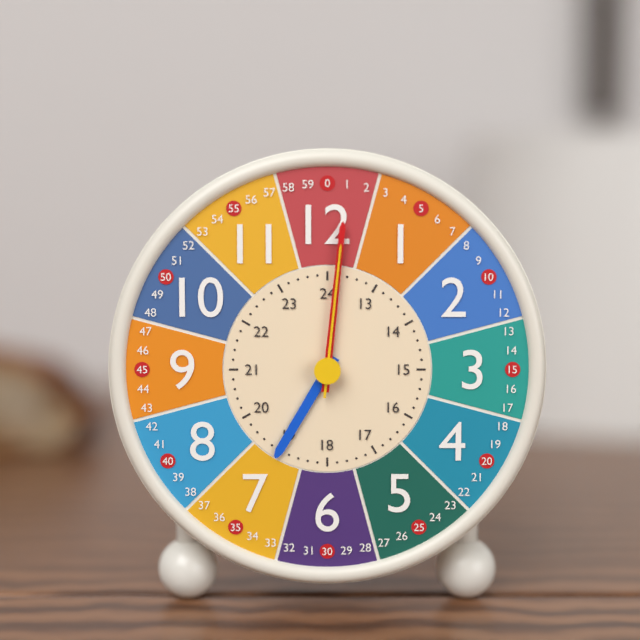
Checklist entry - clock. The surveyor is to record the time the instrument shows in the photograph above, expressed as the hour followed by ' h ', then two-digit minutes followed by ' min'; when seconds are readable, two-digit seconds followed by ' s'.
7 h 01 min 01 s
